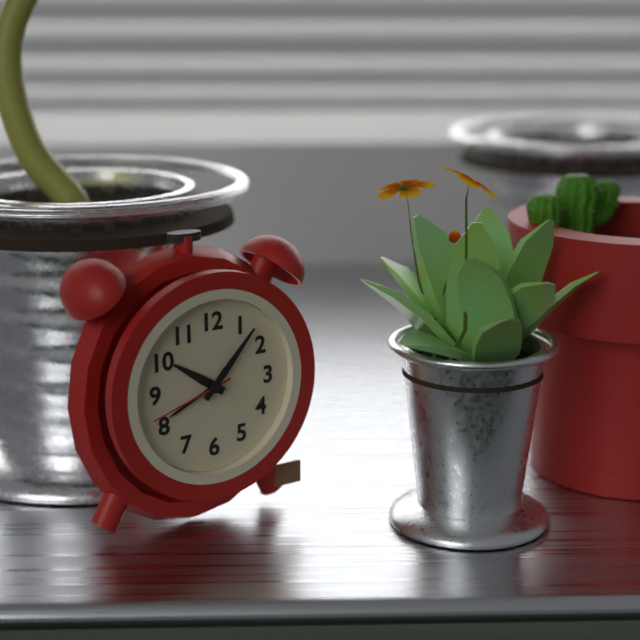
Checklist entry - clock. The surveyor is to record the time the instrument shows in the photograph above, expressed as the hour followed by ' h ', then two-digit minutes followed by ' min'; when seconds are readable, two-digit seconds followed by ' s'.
10 h 07 min 42 s
